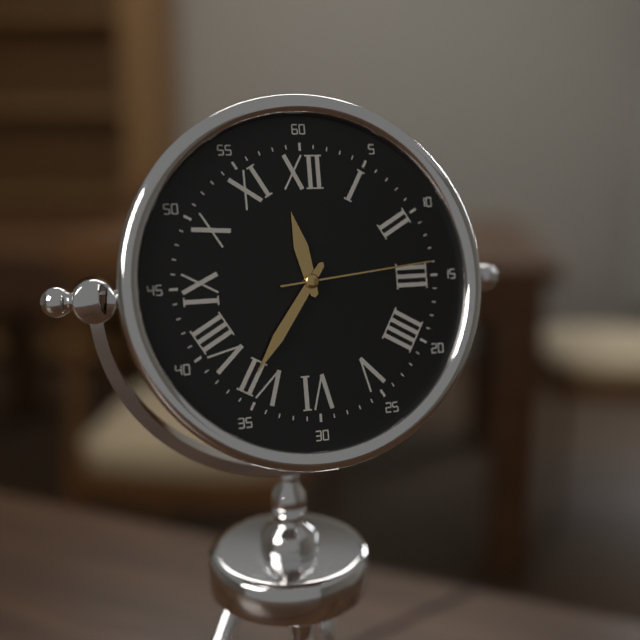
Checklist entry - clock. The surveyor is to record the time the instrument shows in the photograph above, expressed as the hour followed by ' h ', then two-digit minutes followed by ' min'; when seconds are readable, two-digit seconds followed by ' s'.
11 h 36 min 14 s
